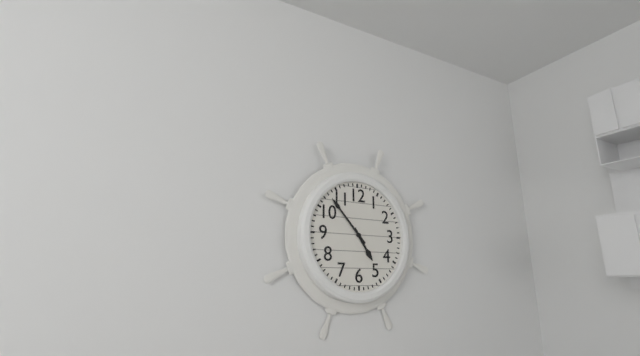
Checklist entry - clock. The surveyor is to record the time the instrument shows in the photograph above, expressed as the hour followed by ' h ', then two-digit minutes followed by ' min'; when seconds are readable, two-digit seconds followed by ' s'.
4 h 53 min
